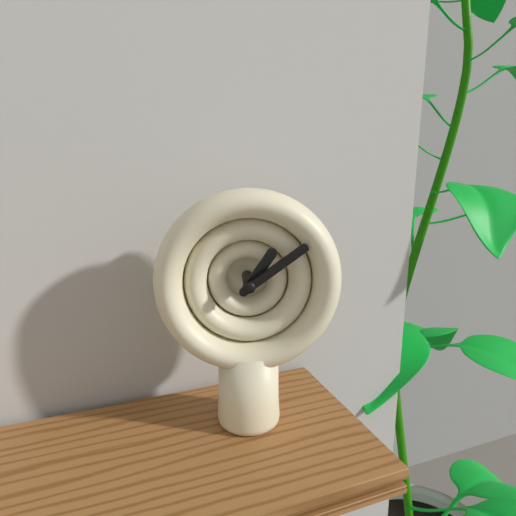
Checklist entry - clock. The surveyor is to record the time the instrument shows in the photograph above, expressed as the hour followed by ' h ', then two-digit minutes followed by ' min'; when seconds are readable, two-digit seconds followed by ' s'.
1 h 09 min
